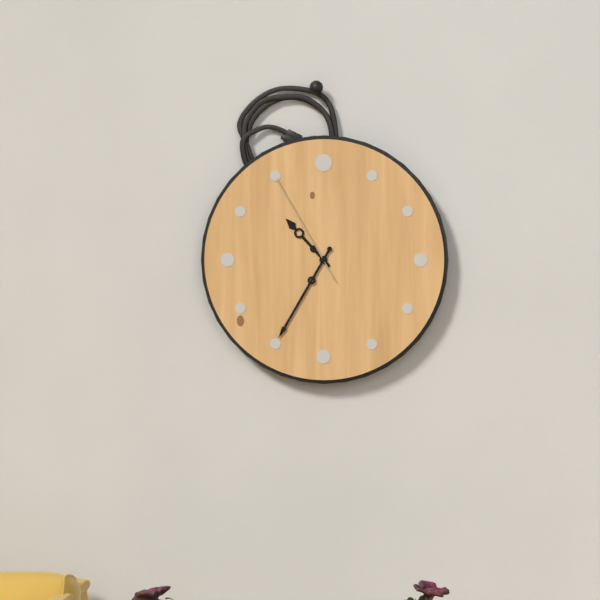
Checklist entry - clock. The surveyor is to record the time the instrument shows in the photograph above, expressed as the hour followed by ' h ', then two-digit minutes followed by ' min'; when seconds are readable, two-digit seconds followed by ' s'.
10 h 35 min 55 s
